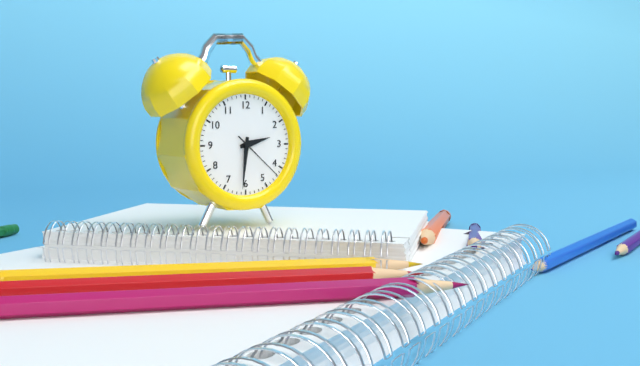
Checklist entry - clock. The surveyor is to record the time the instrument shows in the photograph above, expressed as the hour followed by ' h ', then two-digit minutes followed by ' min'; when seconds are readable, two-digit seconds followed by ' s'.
2 h 31 min 22 s
